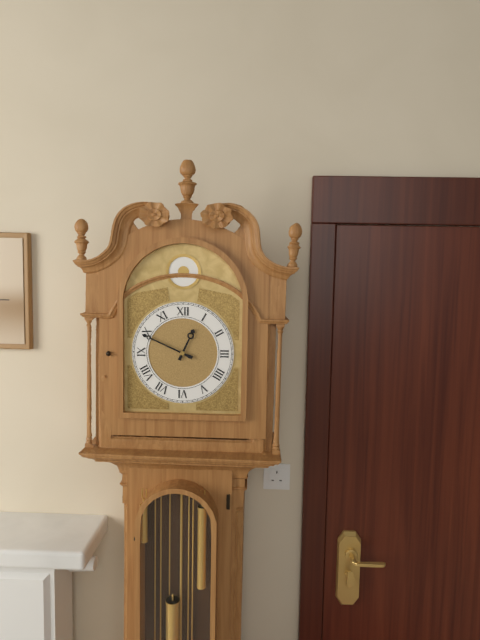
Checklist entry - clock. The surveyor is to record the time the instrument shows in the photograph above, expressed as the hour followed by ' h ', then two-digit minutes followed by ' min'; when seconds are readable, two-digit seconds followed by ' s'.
12 h 49 min
